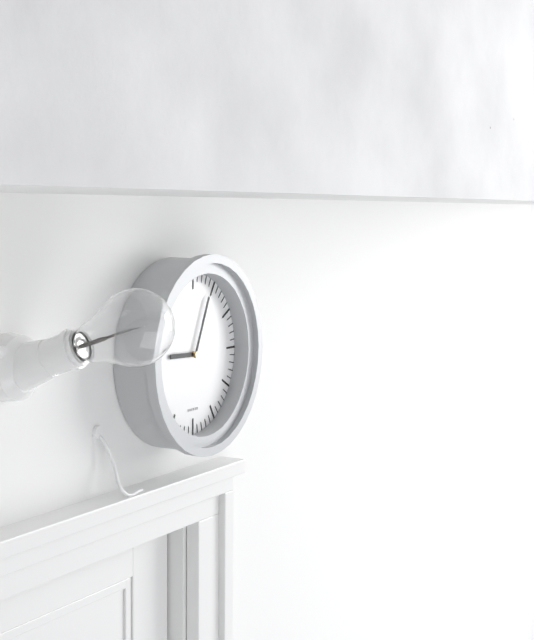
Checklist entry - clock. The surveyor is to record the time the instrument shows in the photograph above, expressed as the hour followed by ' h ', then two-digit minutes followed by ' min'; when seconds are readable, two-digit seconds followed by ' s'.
9 h 04 min
